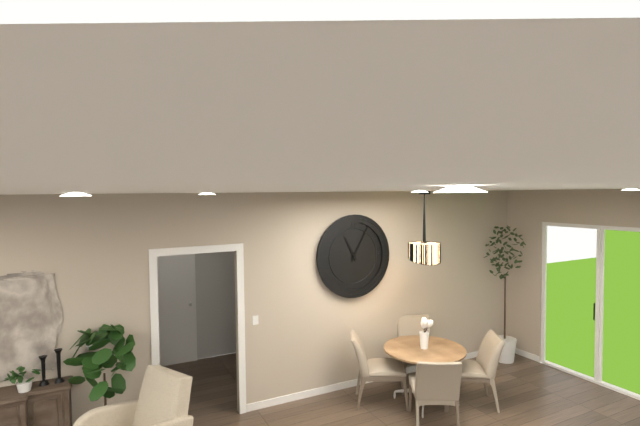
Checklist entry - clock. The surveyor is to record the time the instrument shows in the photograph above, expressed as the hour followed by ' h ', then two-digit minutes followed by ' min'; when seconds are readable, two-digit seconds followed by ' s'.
11 h 05 min
